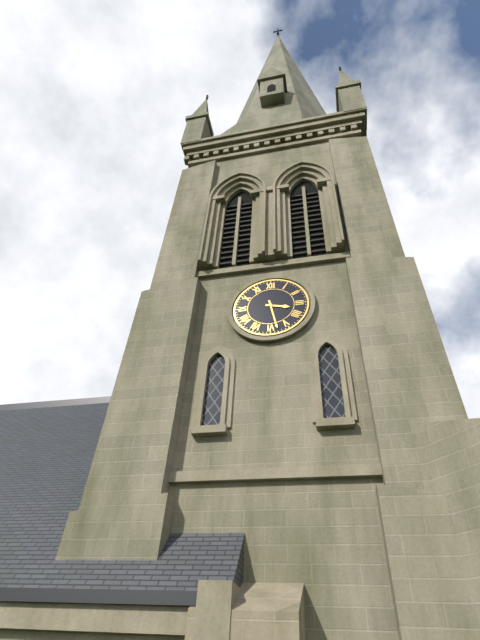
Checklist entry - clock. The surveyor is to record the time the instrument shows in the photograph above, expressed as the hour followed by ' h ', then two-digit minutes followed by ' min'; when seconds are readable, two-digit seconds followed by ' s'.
3 h 28 min
